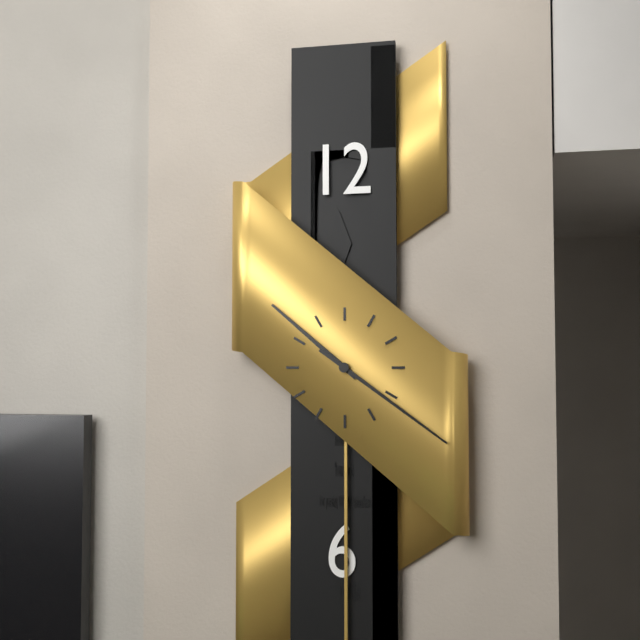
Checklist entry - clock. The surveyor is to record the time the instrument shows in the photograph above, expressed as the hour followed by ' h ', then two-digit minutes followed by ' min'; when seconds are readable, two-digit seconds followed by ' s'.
10 h 21 min
